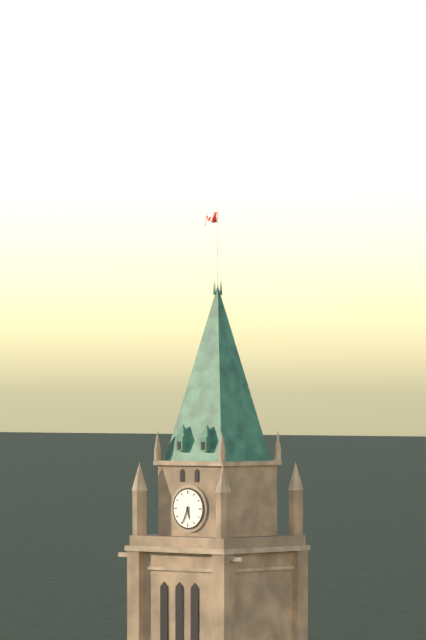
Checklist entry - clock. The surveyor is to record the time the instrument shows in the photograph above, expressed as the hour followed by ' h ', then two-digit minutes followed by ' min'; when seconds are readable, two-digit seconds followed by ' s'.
5 h 34 min
